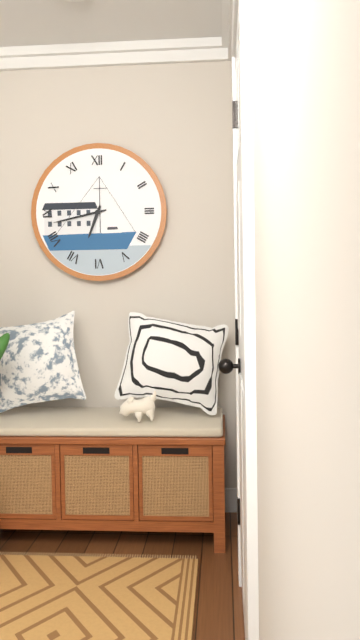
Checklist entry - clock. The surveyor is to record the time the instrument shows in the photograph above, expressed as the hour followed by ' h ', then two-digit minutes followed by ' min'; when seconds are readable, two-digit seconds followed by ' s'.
6 h 43 min
